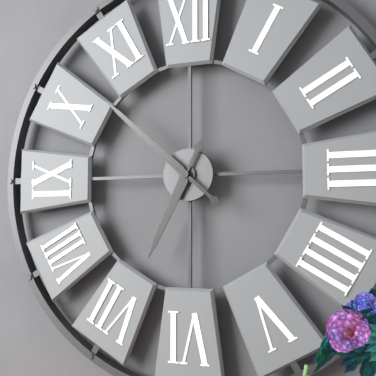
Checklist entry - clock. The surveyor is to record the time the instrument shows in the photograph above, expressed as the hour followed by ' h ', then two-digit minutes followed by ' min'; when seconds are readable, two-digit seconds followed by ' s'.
6 h 52 min
